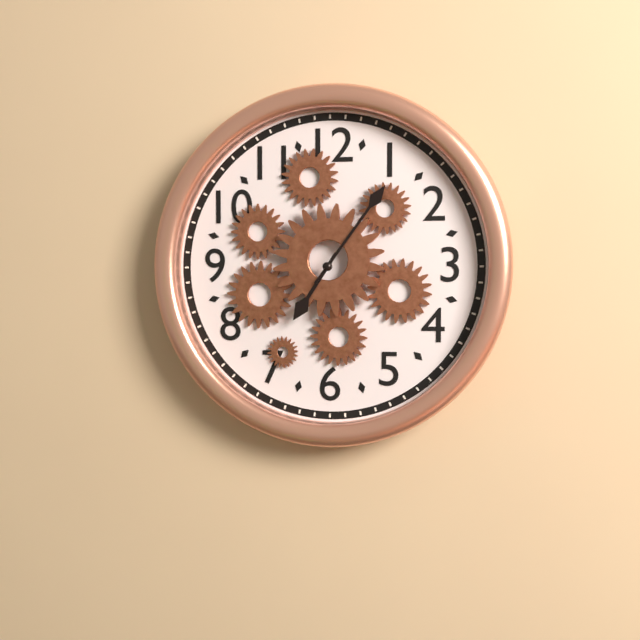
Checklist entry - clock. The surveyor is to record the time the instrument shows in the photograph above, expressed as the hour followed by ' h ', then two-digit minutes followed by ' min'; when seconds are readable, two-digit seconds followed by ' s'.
7 h 06 min
